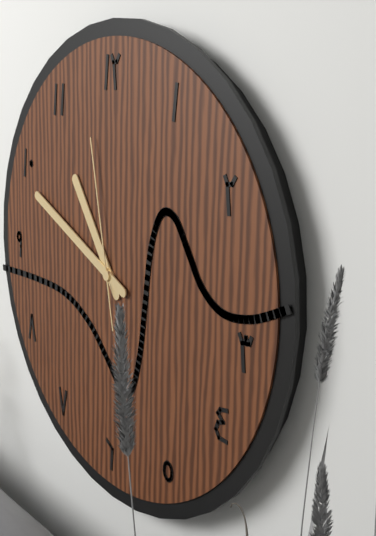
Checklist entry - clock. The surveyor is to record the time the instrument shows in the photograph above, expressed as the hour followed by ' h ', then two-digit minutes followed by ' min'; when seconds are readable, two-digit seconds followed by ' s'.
10 h 49 min 58 s
